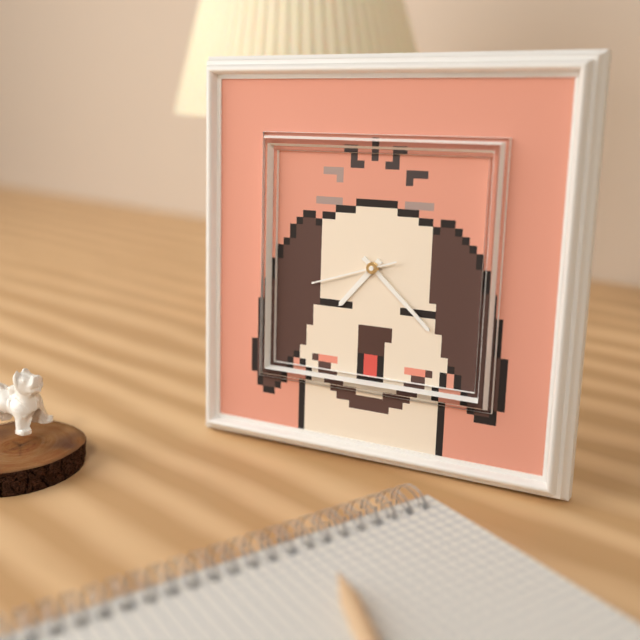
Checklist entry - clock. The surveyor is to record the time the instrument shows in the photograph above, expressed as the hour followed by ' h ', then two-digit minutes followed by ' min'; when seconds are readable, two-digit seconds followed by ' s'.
7 h 22 min 42 s
